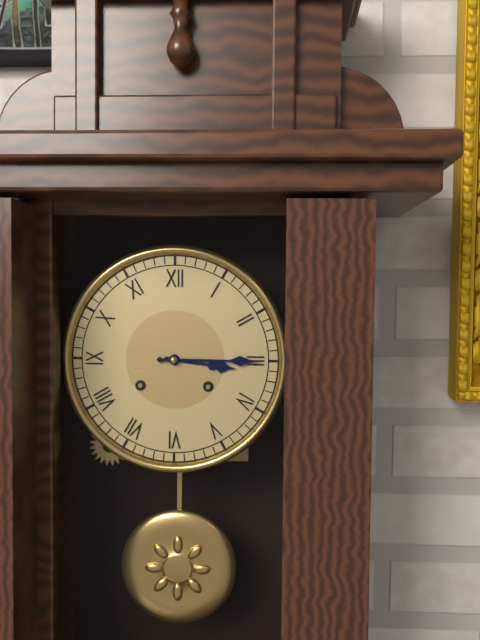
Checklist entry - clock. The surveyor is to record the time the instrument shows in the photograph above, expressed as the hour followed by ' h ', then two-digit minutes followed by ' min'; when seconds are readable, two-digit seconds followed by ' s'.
3 h 15 min
